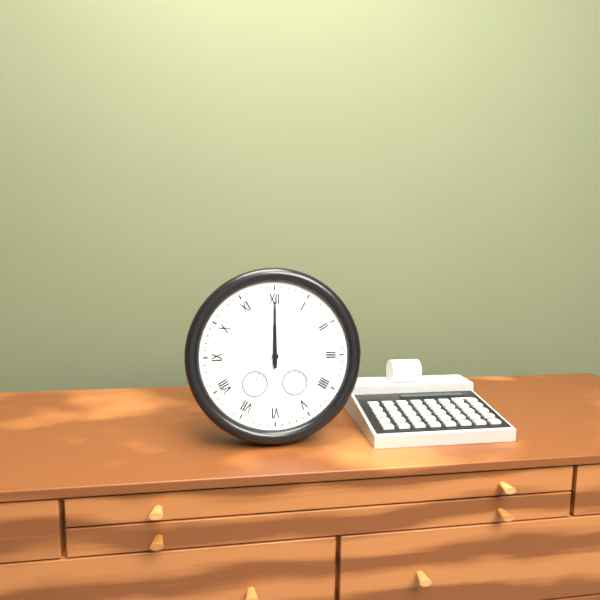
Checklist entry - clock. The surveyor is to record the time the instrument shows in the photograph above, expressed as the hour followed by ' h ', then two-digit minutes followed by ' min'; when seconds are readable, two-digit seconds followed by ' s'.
12 h 00 min
